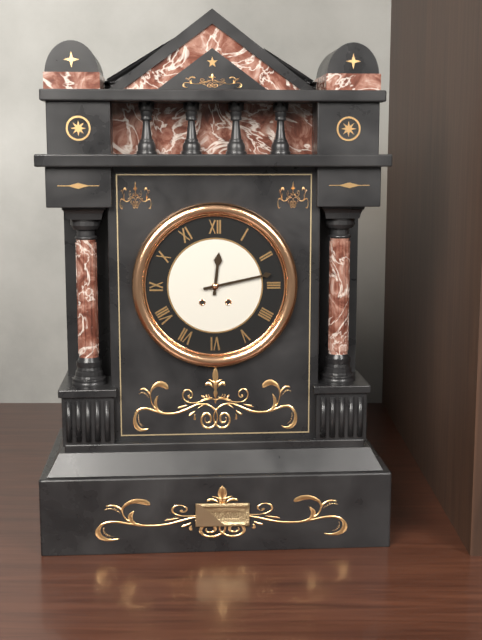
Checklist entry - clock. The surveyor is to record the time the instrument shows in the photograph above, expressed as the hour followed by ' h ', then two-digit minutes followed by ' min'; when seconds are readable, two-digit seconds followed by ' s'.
12 h 13 min
